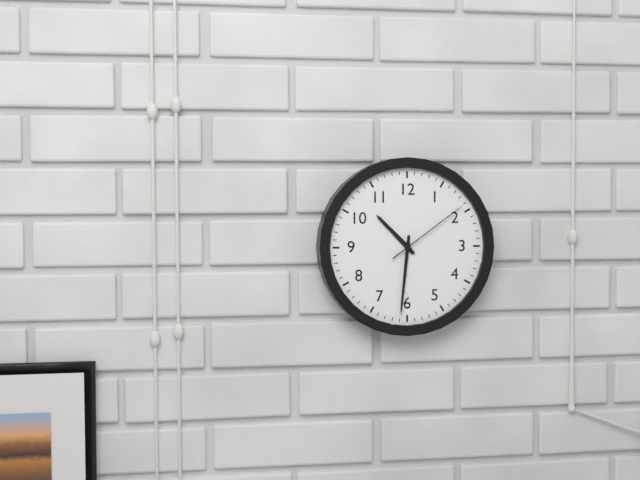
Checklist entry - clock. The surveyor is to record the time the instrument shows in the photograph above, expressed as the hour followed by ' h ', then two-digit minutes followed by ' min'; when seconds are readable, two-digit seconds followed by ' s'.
10 h 31 min 09 s
